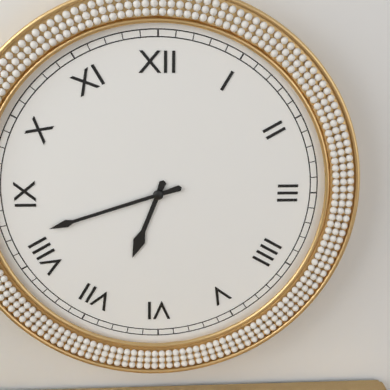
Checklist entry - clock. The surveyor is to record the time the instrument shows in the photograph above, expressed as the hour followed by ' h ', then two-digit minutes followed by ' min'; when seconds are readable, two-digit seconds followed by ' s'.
6 h 42 min
